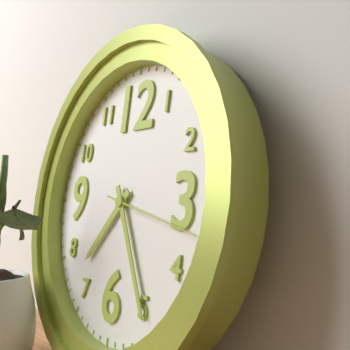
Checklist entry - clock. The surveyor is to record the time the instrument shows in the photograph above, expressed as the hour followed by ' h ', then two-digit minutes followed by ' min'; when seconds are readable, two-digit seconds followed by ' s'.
7 h 25 min 17 s
